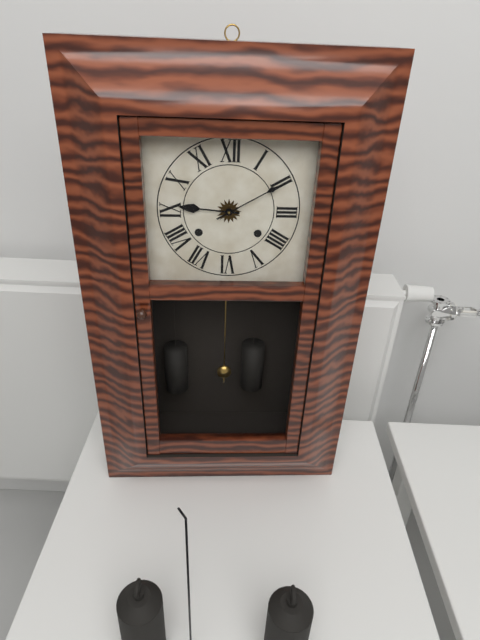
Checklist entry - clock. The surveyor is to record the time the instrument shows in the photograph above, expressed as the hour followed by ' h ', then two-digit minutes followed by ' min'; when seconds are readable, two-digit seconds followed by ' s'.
9 h 10 min
